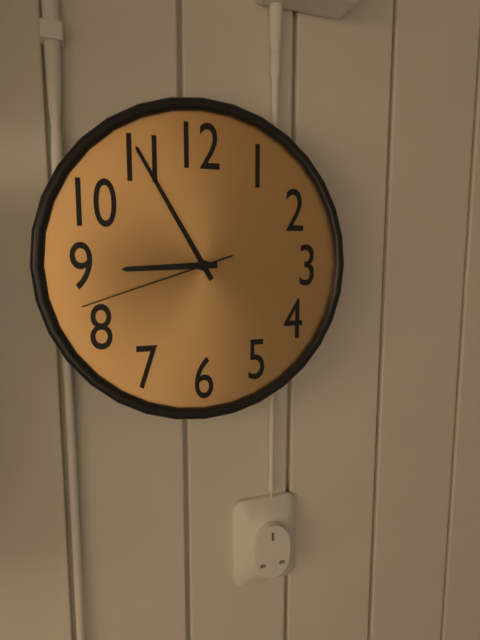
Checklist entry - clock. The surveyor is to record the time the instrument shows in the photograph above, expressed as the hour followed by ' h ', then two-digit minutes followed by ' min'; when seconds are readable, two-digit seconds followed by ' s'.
8 h 55 min 42 s
